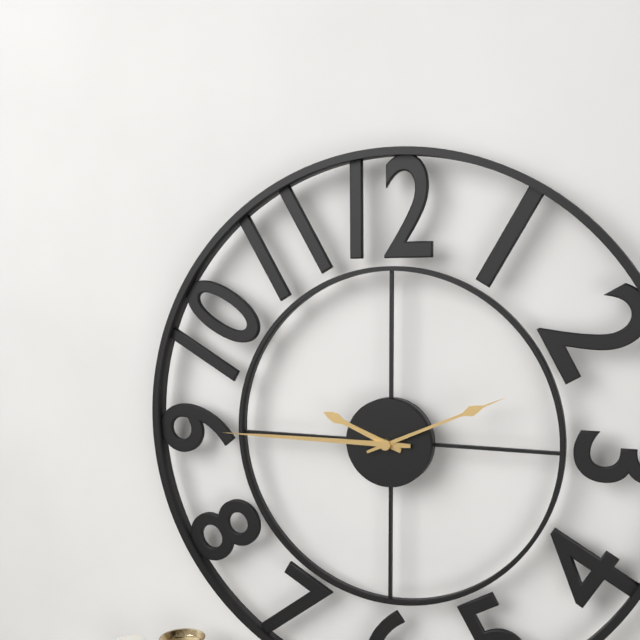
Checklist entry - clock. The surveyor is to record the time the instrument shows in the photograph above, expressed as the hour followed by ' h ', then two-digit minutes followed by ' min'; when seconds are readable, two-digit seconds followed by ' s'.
9 h 45 min 11 s
